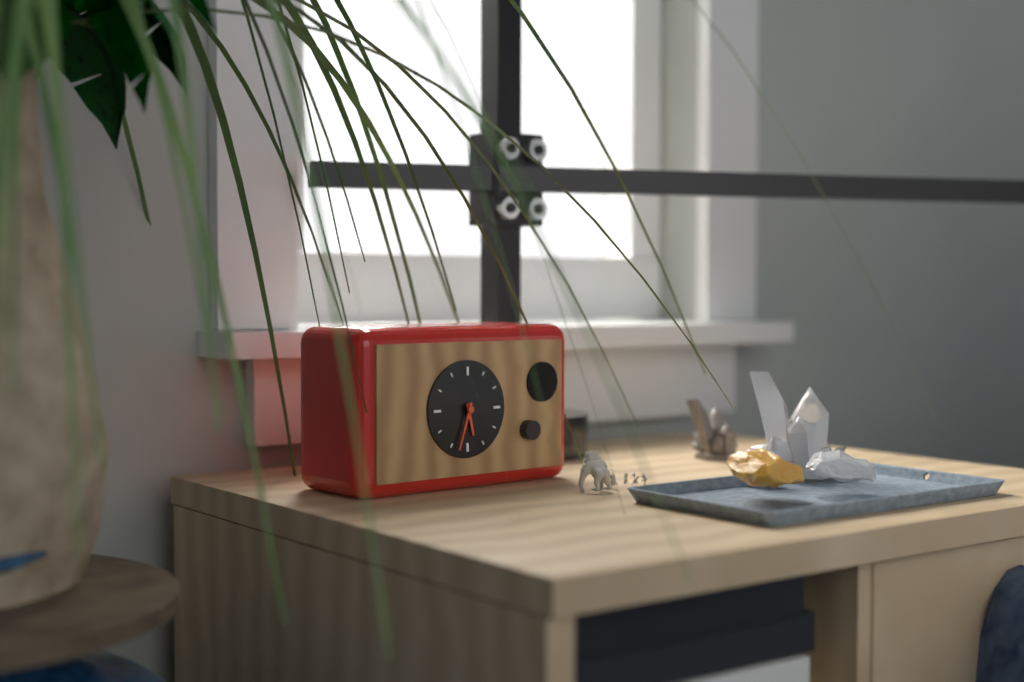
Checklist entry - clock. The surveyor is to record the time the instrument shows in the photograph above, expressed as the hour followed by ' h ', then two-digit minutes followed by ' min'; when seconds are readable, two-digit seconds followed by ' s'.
5 h 33 min
